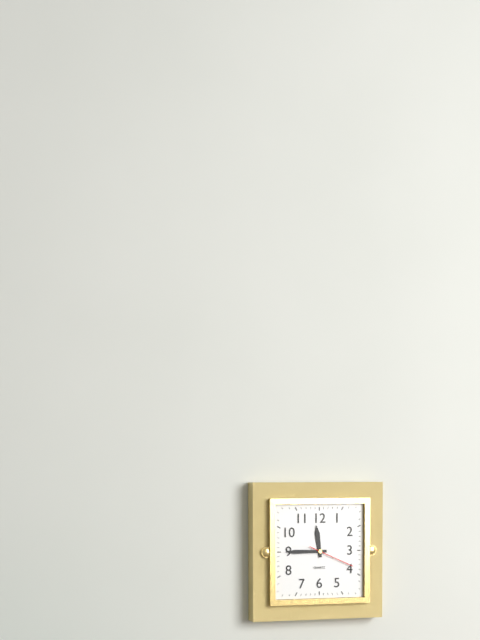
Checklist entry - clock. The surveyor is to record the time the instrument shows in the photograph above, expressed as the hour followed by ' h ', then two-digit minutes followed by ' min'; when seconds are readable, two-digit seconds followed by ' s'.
11 h 45 min
